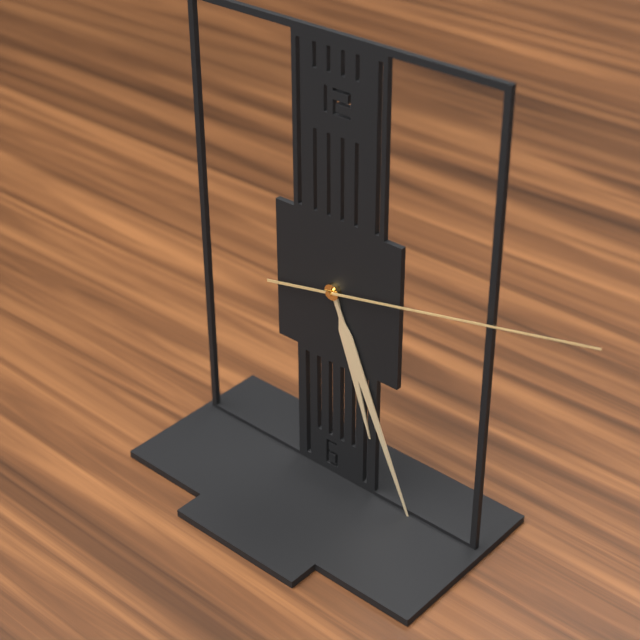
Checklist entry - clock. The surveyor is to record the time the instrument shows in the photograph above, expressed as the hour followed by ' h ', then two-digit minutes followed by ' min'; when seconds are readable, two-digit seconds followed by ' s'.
5 h 26 min 13 s
